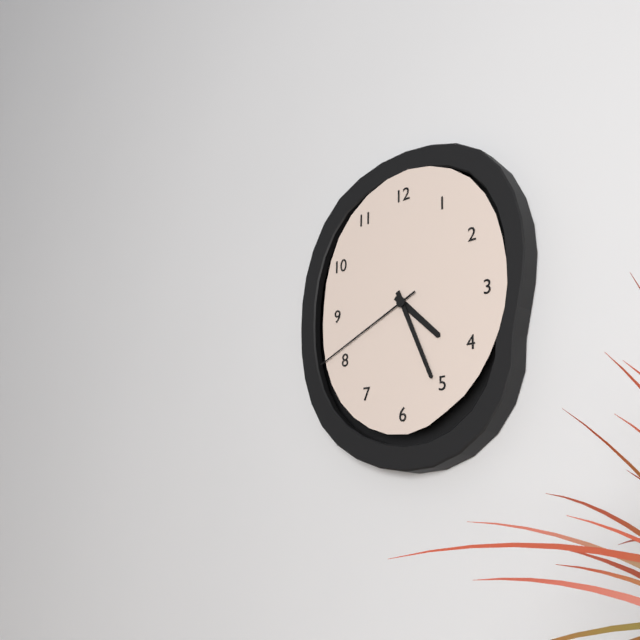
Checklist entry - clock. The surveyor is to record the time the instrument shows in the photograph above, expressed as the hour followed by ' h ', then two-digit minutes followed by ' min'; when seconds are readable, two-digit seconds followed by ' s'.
4 h 26 min 41 s
